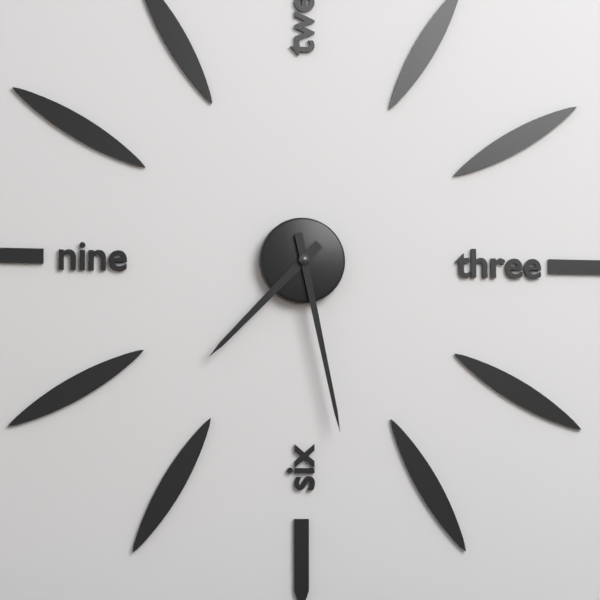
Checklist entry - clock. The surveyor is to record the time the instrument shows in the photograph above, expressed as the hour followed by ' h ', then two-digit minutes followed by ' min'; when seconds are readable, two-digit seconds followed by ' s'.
7 h 28 min
